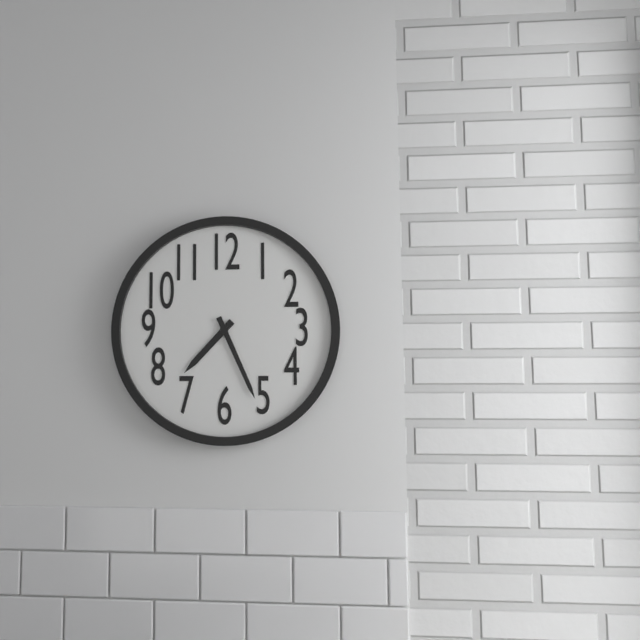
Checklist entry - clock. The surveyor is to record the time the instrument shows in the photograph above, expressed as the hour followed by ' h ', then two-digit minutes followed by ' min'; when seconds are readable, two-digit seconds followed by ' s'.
7 h 26 min
